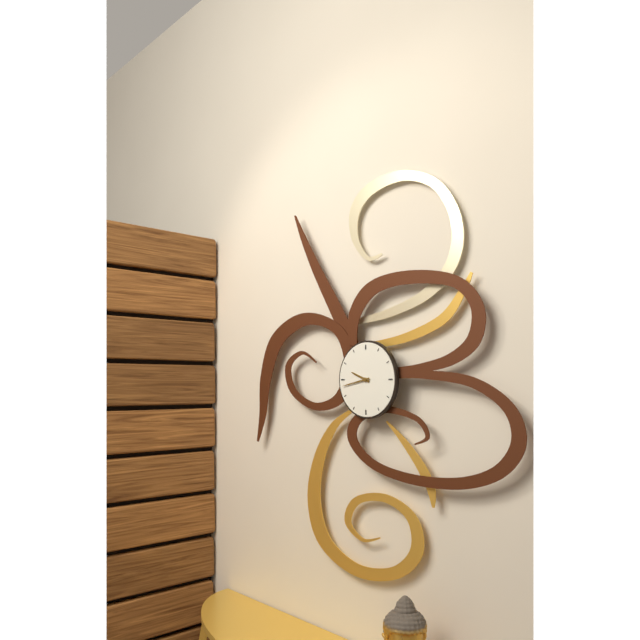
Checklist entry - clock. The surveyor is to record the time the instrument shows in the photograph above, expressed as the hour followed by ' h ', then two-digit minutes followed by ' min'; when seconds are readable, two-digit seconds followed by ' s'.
9 h 43 min
